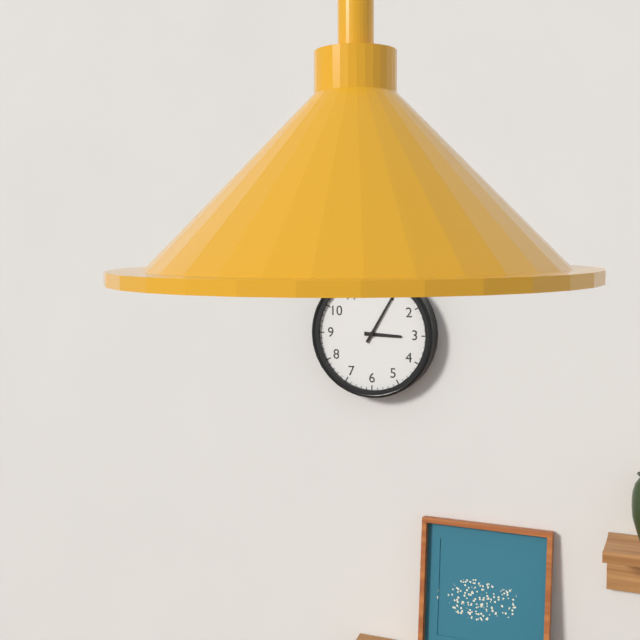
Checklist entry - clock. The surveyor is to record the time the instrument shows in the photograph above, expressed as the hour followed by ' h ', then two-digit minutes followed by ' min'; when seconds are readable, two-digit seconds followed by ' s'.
3 h 05 min
